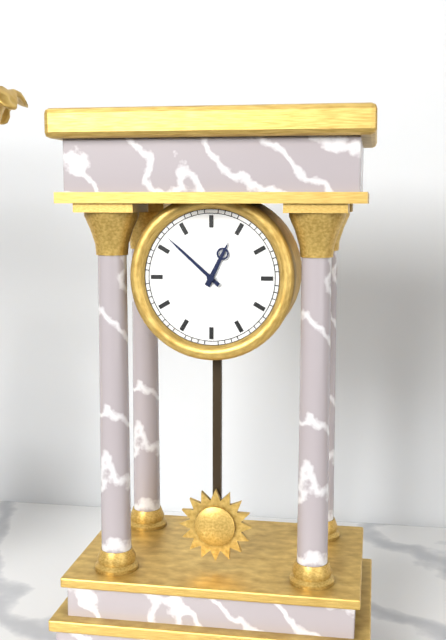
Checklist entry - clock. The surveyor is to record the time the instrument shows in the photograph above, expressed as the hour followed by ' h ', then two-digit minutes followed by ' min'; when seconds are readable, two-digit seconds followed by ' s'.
12 h 52 min
